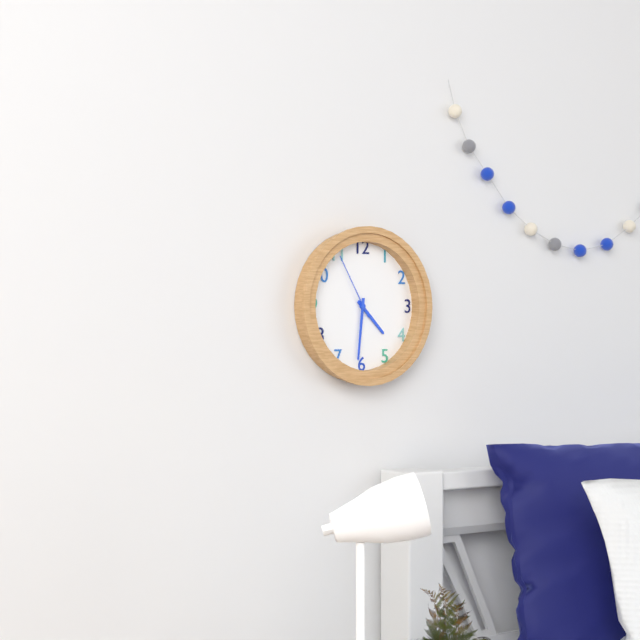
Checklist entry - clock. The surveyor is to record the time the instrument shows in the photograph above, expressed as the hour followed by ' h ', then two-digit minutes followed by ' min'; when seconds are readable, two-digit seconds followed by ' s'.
4 h 31 min 55 s
